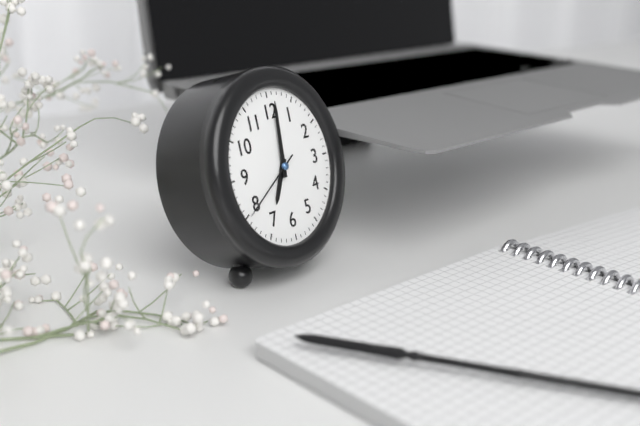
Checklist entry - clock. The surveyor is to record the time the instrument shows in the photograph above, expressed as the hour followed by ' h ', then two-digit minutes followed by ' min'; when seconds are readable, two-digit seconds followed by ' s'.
7 h 01 min 40 s
